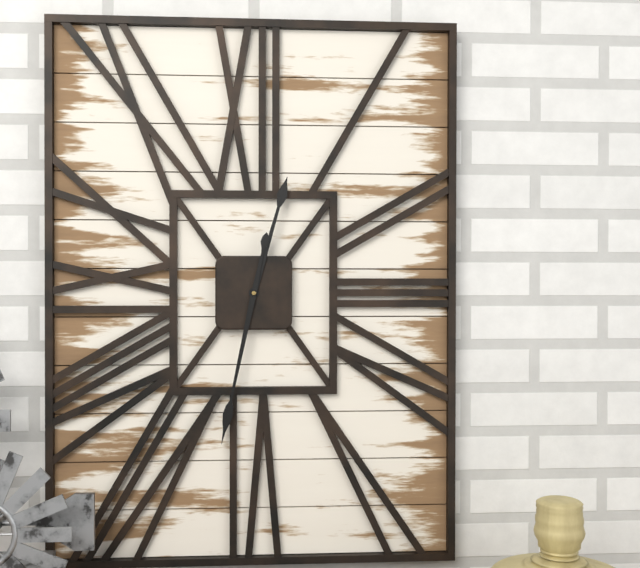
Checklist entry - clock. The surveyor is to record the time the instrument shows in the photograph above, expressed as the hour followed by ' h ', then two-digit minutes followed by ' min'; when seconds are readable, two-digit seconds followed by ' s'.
12 h 32 min
